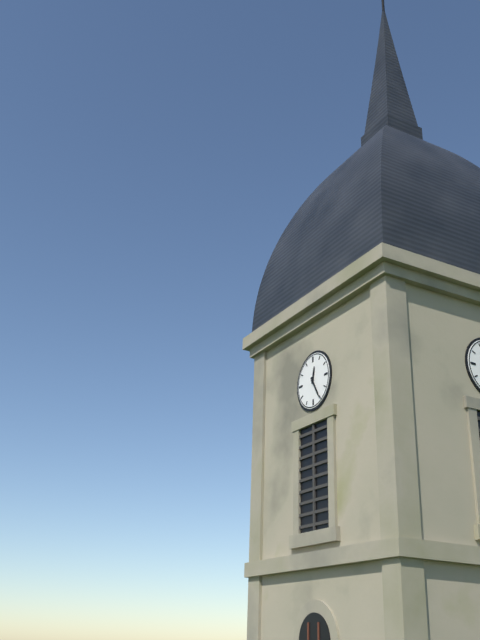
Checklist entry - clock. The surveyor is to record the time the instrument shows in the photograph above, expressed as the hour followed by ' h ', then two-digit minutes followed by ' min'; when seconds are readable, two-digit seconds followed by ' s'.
12 h 25 min
